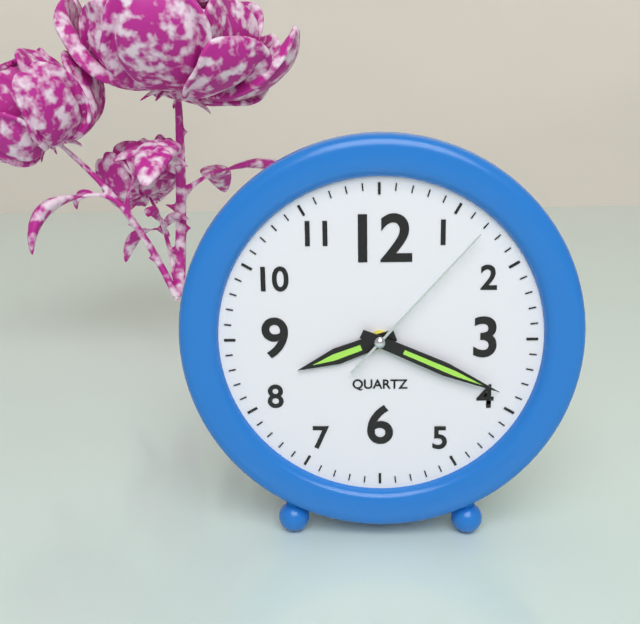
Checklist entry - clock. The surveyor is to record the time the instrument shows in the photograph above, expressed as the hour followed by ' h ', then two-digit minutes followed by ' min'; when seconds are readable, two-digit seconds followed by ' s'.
8 h 19 min 07 s
